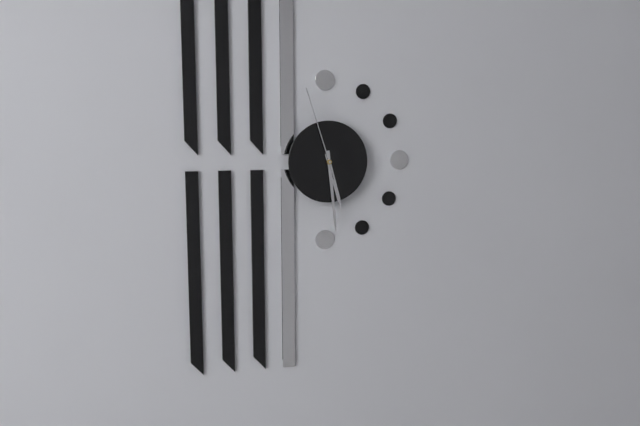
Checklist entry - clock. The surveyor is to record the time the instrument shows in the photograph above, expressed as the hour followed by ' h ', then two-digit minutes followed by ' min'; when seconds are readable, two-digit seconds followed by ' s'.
5 h 29 min 57 s
